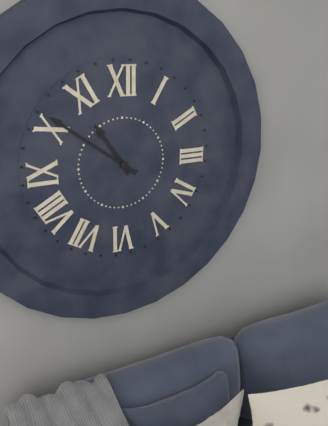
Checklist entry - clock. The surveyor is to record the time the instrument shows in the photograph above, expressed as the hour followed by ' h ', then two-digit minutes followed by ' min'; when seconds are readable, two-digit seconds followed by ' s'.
10 h 51 min
